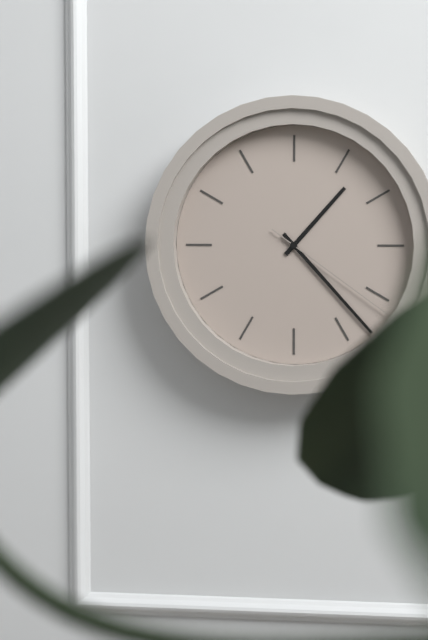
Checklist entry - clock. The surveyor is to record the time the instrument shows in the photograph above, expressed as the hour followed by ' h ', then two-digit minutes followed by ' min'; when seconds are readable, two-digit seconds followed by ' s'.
1 h 23 min 21 s
